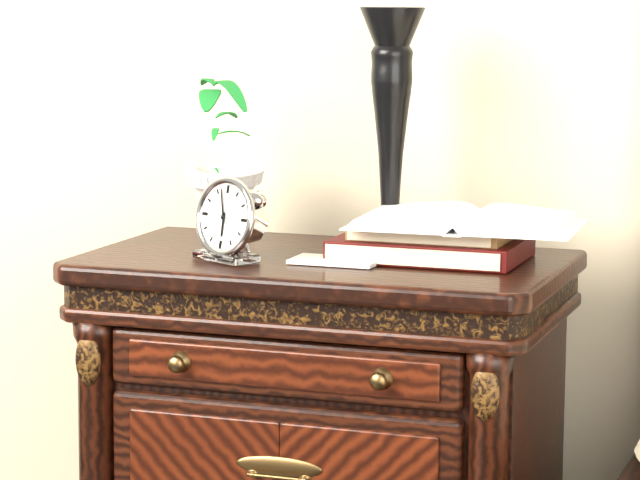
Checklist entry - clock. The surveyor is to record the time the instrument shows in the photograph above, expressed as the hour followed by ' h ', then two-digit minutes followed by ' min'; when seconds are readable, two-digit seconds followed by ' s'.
5 h 57 min
